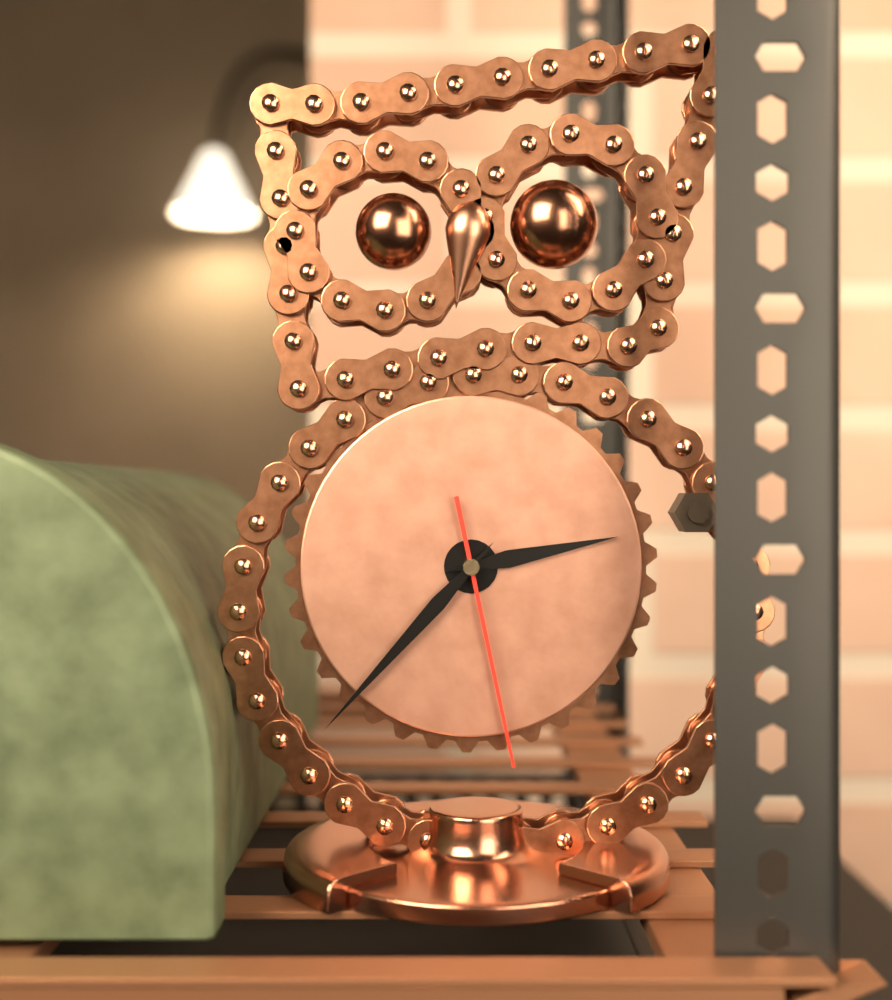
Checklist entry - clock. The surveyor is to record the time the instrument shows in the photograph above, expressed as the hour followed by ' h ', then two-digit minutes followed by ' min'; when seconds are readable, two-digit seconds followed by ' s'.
2 h 37 min 28 s
